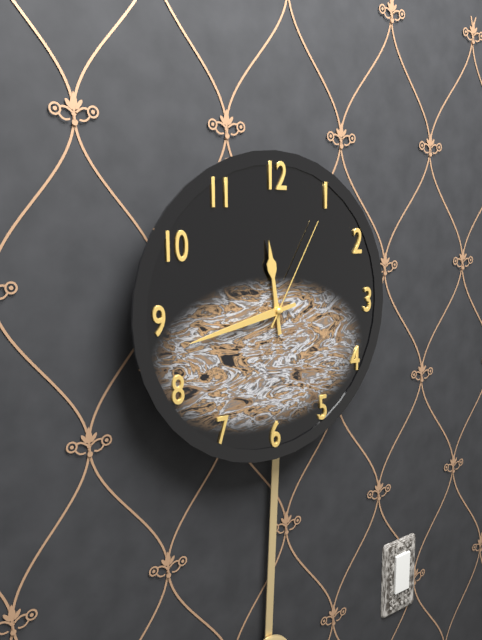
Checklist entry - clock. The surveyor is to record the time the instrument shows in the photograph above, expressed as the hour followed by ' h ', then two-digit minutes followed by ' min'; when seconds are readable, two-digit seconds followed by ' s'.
11 h 43 min 05 s
